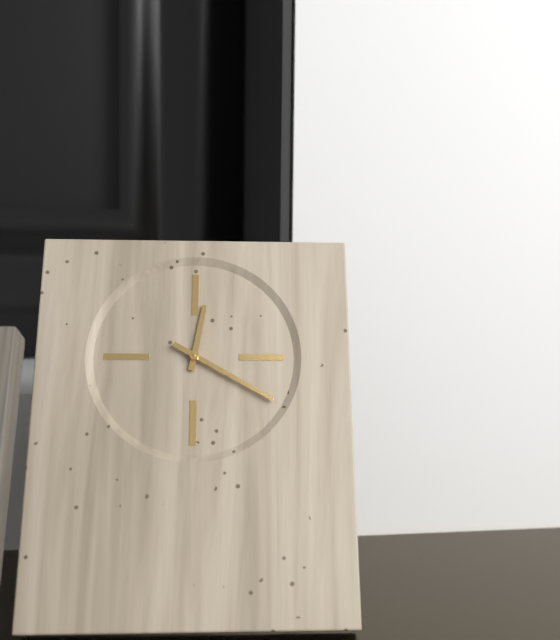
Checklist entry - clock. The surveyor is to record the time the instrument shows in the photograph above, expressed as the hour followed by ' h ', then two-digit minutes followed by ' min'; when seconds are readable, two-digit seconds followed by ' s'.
12 h 20 min
